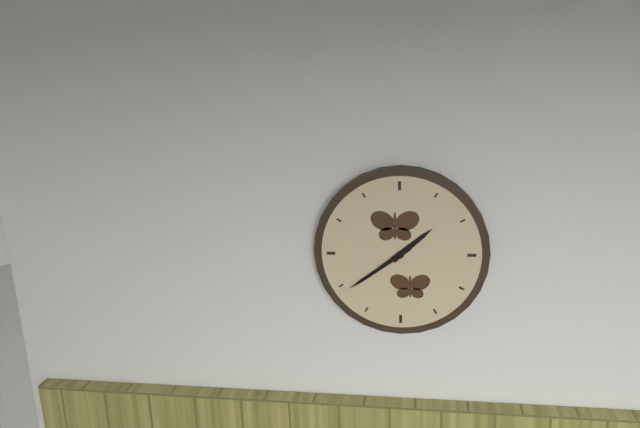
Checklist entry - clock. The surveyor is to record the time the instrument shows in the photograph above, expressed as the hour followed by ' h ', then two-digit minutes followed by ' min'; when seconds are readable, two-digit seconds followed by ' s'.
1 h 39 min
